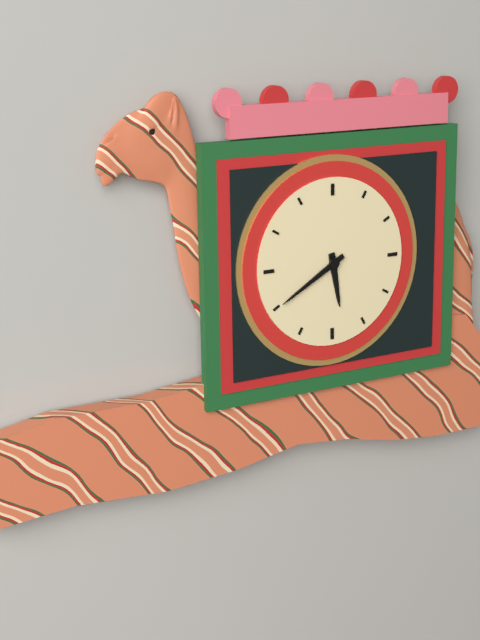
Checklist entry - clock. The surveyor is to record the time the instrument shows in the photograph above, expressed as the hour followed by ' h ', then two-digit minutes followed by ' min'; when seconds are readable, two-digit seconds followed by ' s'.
5 h 40 min
